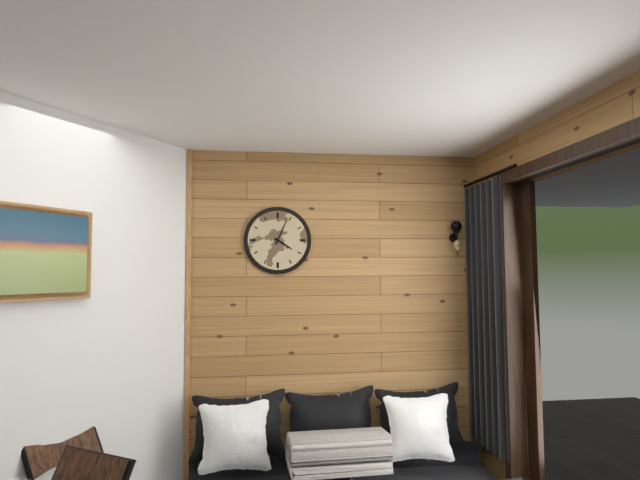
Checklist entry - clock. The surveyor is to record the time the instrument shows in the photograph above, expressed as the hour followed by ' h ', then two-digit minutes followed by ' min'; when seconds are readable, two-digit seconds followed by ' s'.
4 h 04 min
